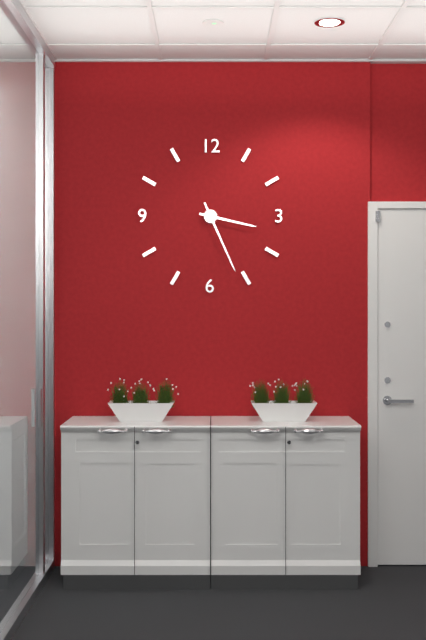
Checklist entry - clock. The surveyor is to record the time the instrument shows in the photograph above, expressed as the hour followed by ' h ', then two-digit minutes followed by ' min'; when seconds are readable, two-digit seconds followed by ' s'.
3 h 26 min
